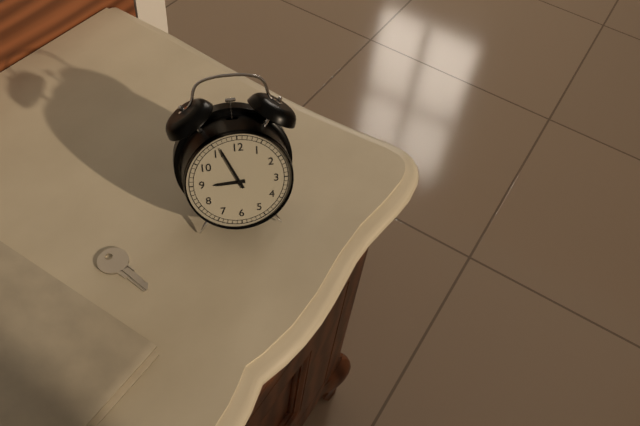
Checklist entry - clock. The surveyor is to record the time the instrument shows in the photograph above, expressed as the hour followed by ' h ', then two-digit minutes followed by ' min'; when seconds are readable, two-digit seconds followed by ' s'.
8 h 56 min
